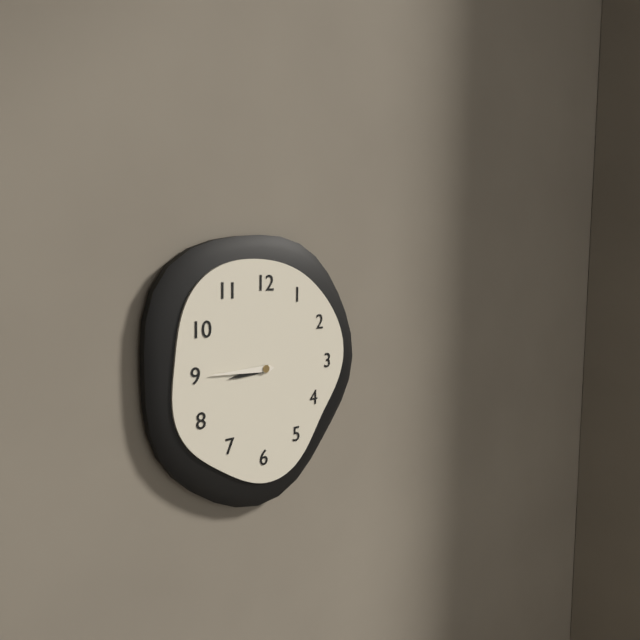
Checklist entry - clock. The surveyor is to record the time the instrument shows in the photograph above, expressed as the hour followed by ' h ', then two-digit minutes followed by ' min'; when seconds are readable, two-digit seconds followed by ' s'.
8 h 45 min
